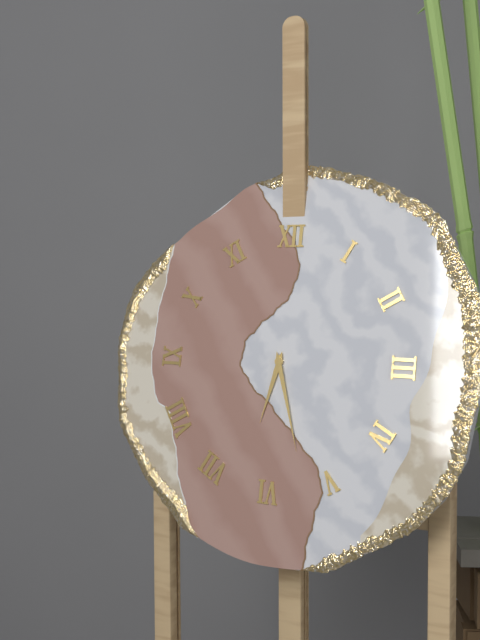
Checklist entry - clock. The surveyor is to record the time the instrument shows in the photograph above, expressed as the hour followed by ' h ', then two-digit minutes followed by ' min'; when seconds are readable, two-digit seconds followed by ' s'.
6 h 27 min
